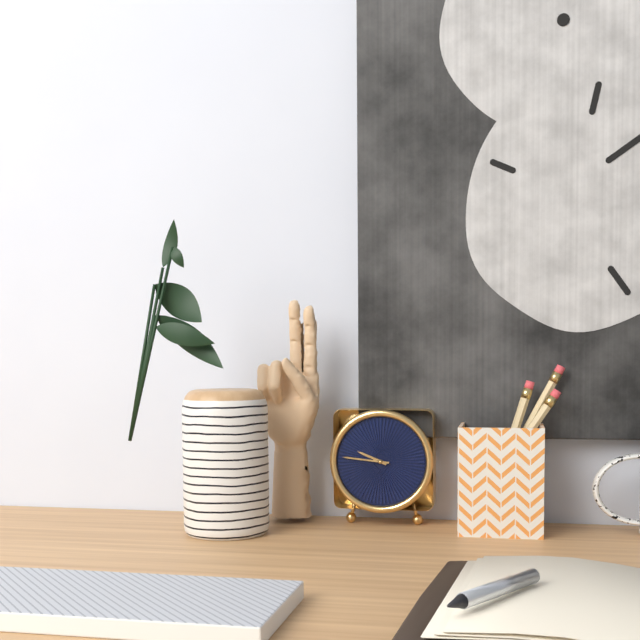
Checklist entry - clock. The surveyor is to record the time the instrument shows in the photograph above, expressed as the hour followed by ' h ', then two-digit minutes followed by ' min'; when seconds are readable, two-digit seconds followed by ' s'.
9 h 46 min
